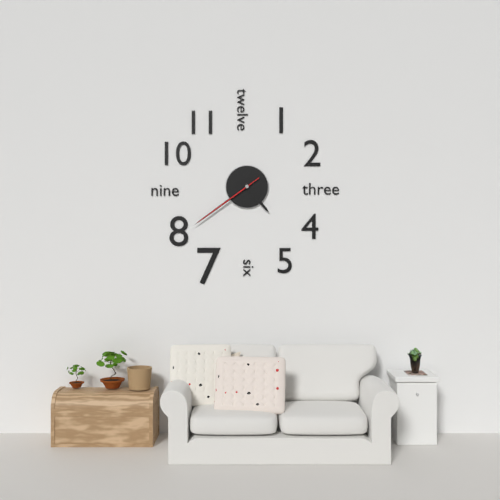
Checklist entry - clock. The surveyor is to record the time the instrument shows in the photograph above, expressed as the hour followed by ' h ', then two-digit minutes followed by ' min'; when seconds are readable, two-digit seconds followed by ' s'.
4 h 39 min 39 s
